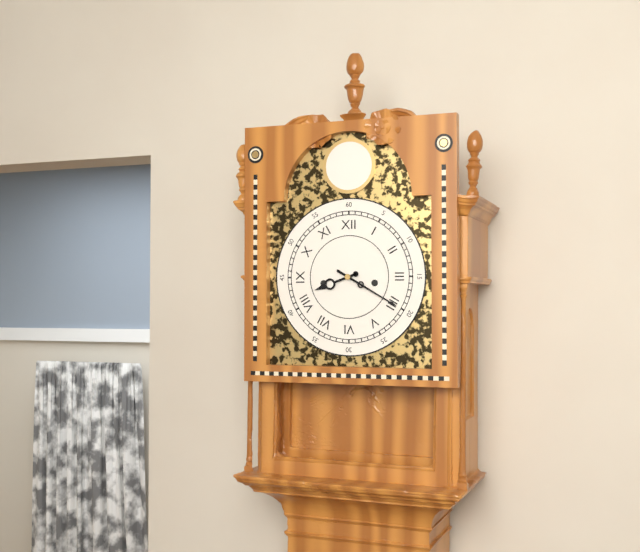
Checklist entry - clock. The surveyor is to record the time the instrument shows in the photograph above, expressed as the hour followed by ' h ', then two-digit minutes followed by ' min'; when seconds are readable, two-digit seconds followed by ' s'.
8 h 20 min
